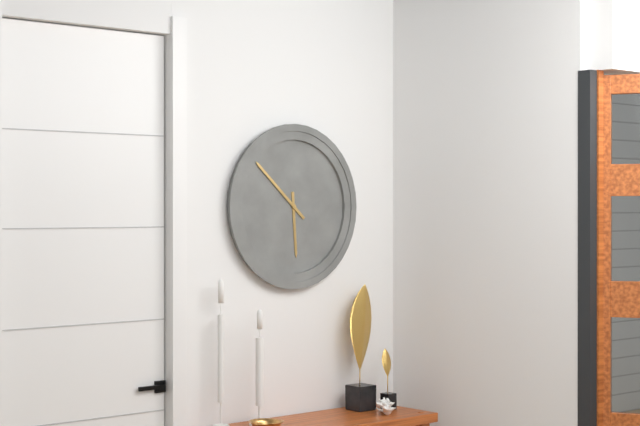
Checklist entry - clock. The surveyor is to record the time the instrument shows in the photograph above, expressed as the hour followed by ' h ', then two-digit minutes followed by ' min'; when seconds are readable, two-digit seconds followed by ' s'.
5 h 52 min
